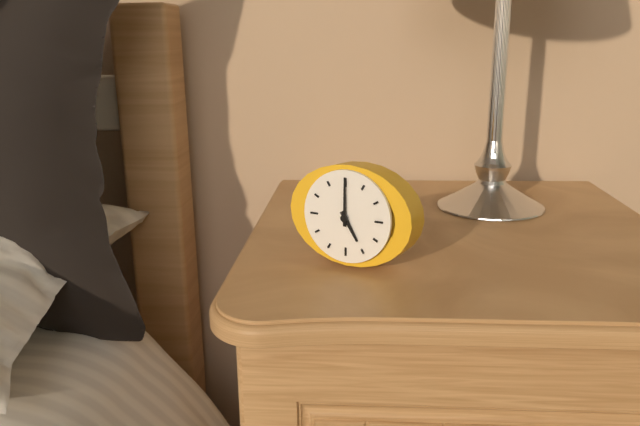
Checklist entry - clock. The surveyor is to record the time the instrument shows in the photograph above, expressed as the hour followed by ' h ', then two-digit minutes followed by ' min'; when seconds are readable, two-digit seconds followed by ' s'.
5 h 00 min
